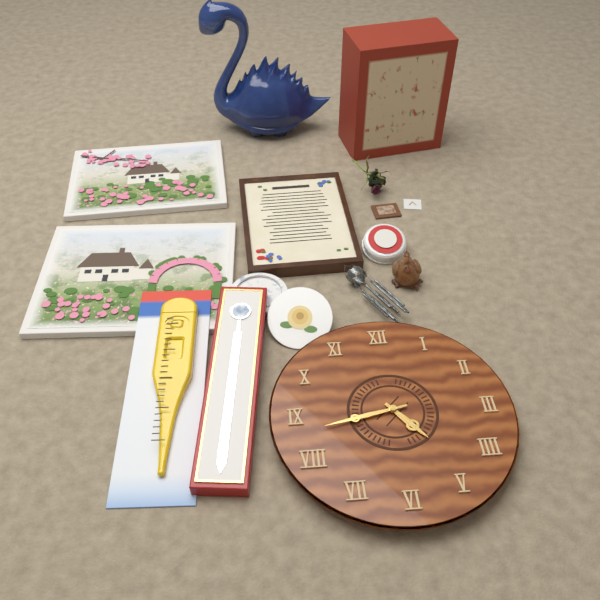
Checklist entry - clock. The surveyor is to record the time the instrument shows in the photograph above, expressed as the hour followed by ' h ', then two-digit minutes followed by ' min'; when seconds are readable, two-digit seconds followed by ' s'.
4 h 43 min
